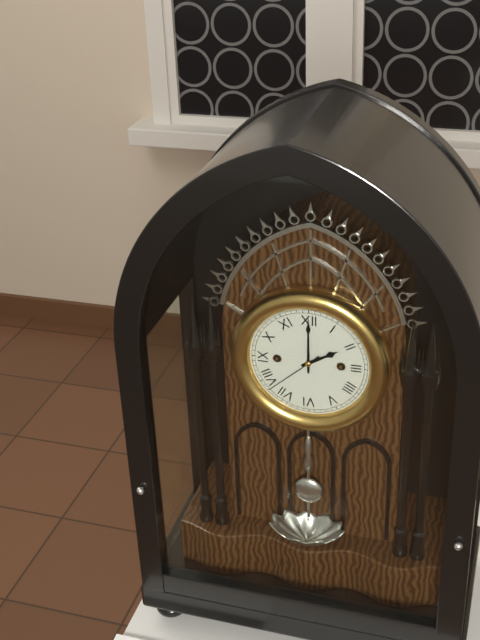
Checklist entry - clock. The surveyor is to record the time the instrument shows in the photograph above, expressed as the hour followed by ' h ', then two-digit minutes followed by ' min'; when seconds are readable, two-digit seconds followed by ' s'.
2 h 00 min 38 s
